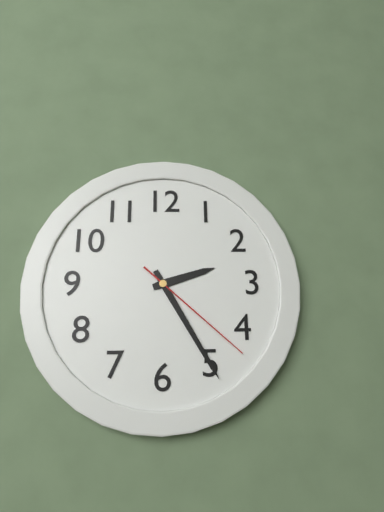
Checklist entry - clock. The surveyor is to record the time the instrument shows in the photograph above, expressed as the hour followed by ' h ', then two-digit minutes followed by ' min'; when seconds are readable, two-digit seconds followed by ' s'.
2 h 25 min 22 s
